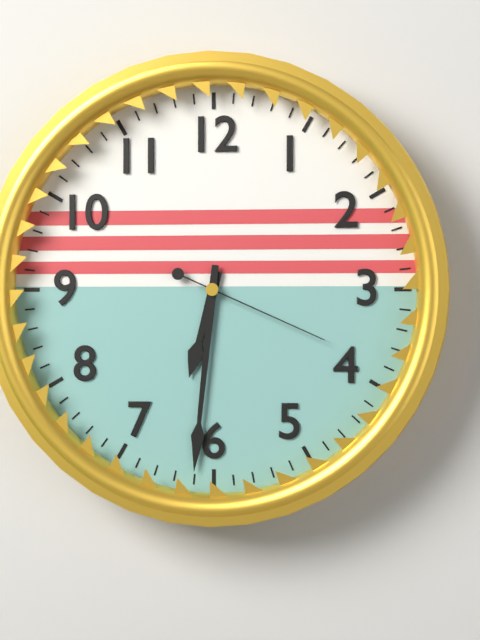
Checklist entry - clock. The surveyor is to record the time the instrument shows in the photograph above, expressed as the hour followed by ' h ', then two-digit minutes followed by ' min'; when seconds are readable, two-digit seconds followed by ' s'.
6 h 31 min 19 s
